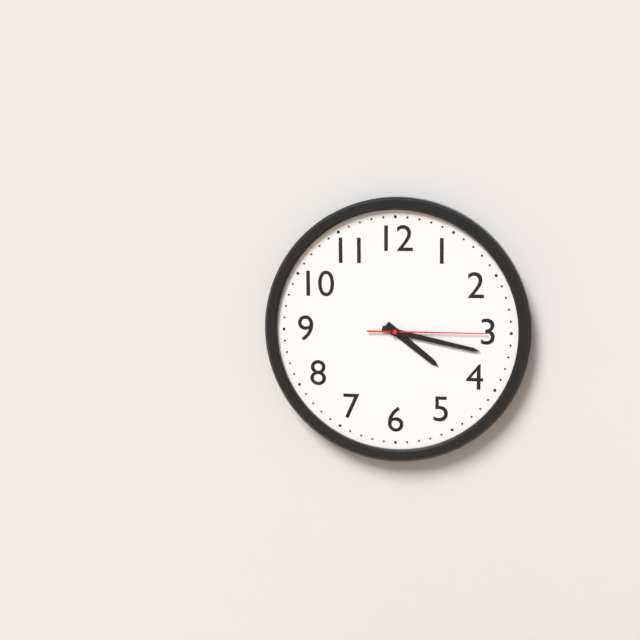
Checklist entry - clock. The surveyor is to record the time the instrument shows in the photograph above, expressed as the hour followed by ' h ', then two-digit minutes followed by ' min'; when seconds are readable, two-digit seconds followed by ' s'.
4 h 17 min 15 s
